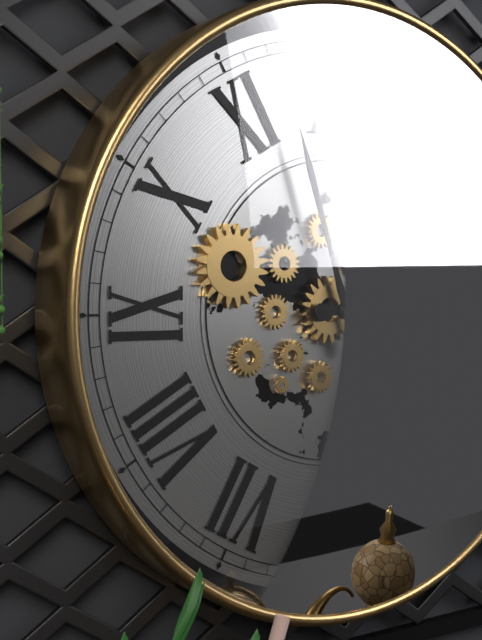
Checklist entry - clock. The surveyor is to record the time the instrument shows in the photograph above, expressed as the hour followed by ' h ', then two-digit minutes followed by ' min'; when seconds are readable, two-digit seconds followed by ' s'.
2 h 57 min
